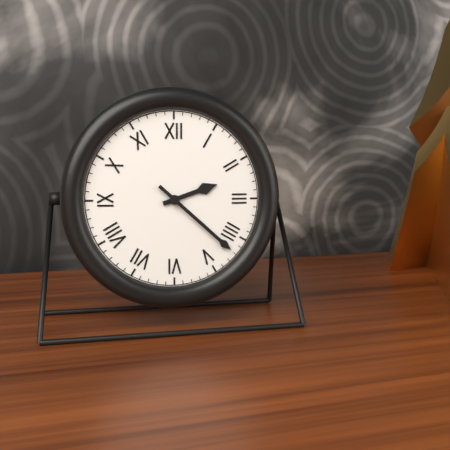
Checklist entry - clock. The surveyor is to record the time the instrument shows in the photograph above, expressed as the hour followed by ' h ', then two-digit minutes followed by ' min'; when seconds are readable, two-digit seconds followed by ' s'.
2 h 22 min
